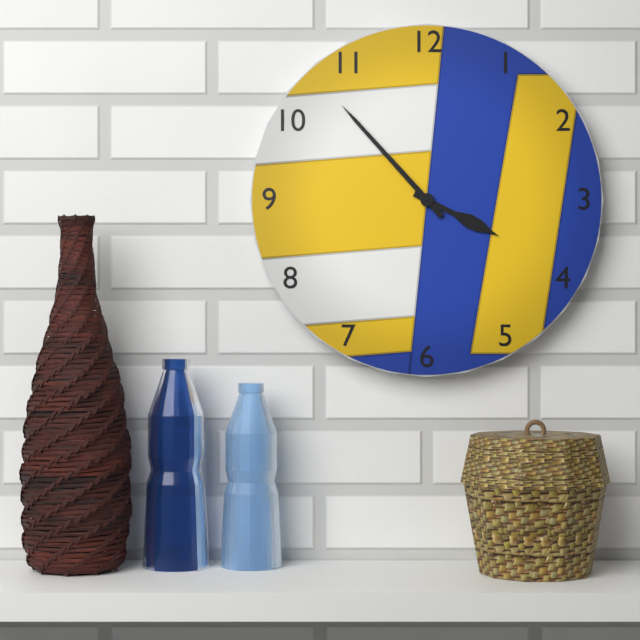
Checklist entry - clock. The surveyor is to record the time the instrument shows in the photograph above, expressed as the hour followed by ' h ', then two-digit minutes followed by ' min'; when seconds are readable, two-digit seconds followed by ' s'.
3 h 53 min
